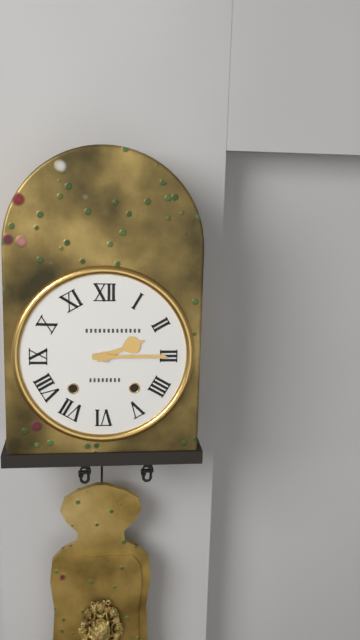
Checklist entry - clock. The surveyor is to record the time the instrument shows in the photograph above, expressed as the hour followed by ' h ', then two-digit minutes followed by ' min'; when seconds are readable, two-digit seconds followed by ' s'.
2 h 15 min
